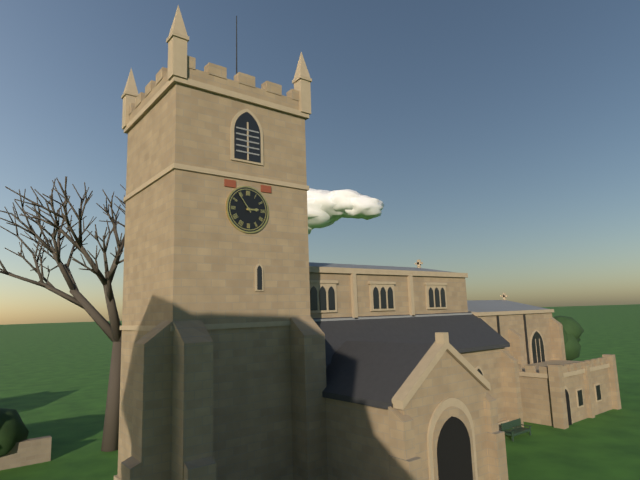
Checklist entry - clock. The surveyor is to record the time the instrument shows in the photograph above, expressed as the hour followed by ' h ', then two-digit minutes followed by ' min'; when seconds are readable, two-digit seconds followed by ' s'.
2 h 54 min
